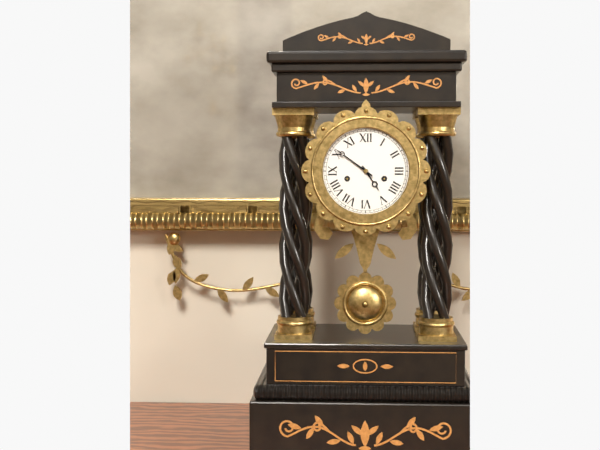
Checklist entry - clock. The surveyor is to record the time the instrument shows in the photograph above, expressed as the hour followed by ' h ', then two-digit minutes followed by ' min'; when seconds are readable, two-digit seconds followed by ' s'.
4 h 51 min
